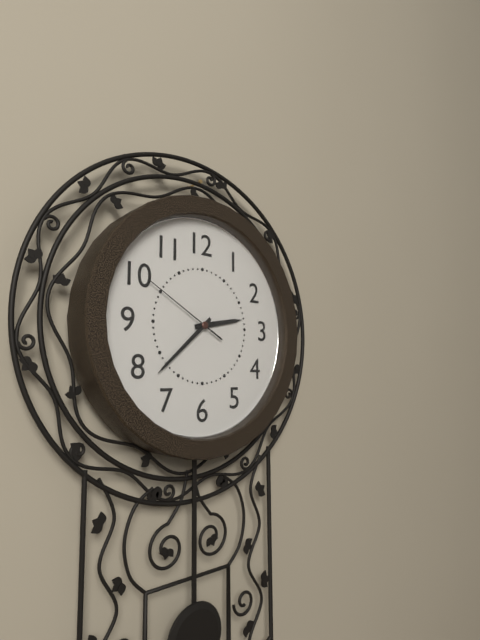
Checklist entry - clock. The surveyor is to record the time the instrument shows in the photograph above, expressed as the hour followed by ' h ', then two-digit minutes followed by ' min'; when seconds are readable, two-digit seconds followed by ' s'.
2 h 38 min 50 s
